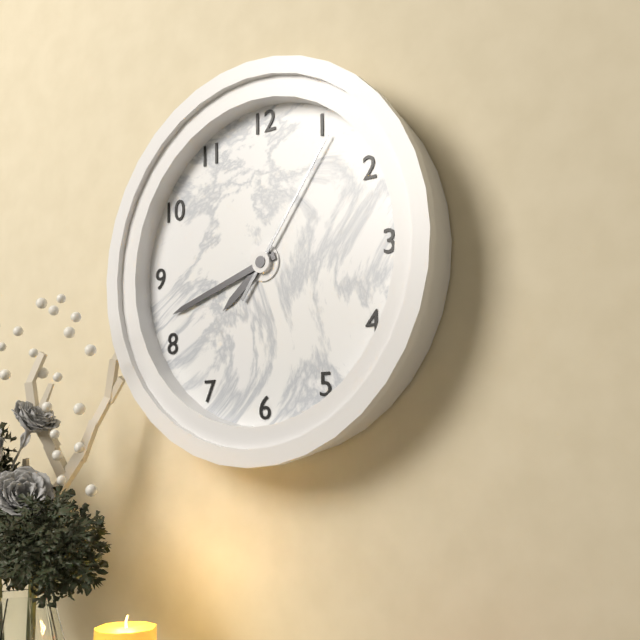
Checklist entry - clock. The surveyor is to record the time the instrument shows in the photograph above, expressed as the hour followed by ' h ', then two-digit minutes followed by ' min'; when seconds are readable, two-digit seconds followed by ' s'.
7 h 42 min 06 s
